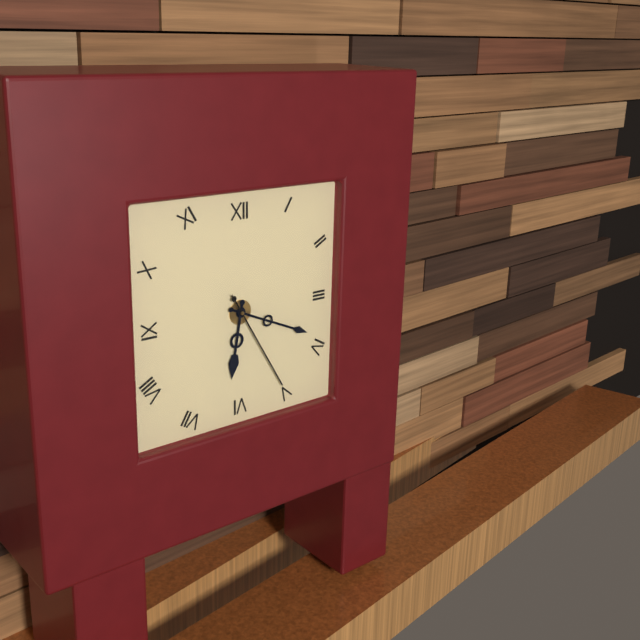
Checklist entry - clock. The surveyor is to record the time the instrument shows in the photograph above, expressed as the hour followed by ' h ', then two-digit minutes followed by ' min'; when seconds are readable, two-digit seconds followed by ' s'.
6 h 19 min 25 s
